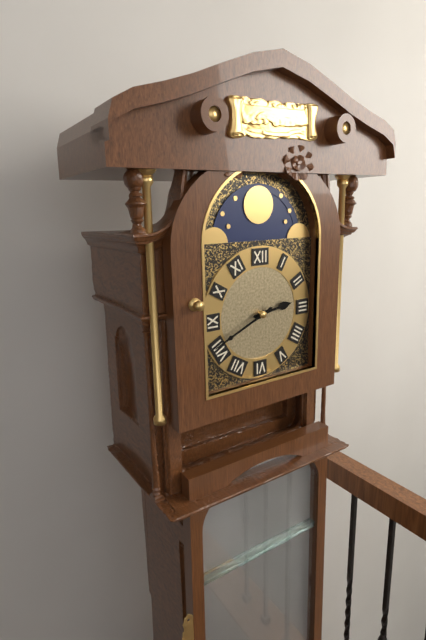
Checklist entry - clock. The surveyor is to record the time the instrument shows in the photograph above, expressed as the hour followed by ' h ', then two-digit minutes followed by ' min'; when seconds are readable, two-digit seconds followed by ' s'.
2 h 41 min
